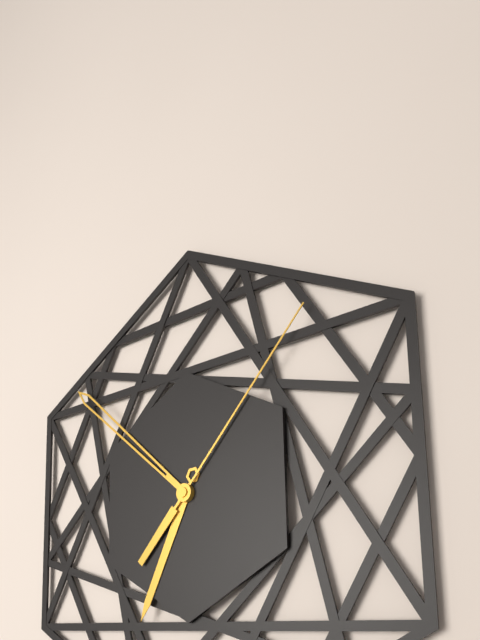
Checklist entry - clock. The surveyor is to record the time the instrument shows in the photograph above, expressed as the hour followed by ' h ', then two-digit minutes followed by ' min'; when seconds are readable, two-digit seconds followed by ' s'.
6 h 52 min 07 s
